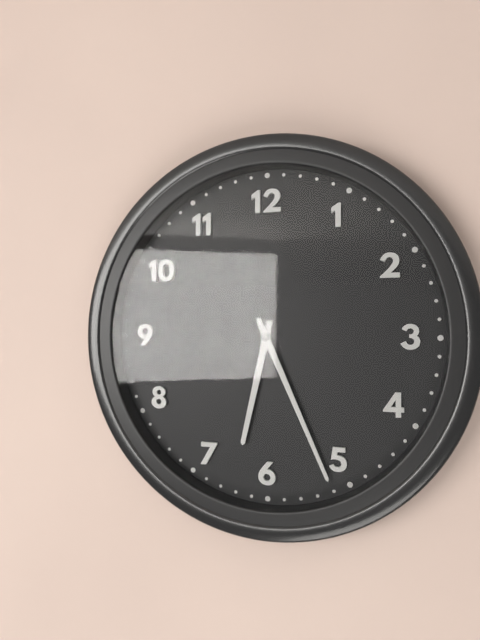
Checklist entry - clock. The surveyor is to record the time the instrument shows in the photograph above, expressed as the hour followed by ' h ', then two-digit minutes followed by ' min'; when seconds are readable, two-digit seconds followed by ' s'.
6 h 26 min
